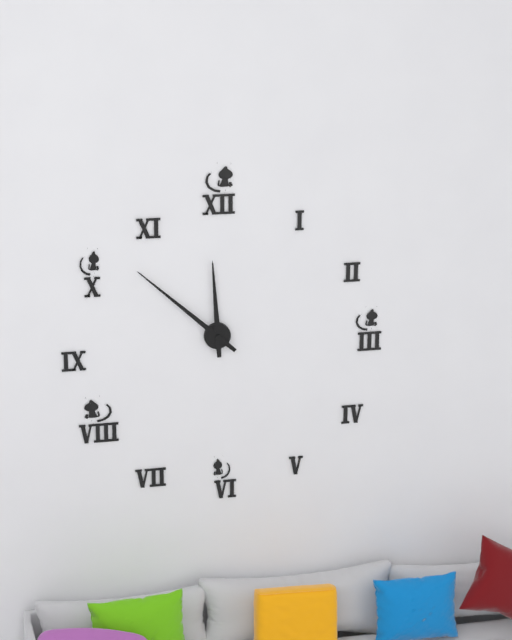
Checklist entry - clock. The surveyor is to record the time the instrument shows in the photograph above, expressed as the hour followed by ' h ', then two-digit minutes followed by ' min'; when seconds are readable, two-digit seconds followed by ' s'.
11 h 52 min
